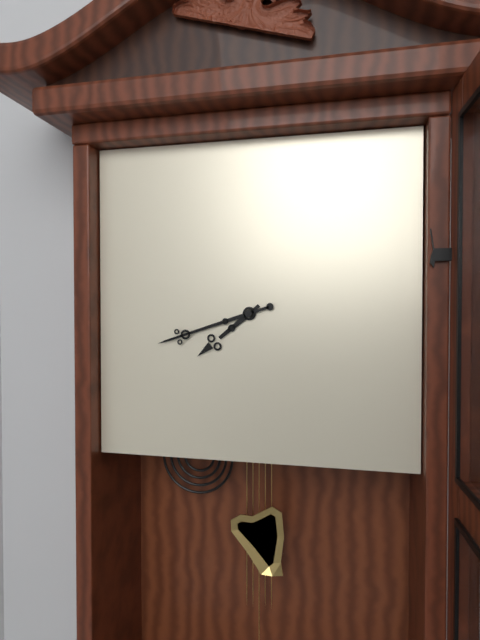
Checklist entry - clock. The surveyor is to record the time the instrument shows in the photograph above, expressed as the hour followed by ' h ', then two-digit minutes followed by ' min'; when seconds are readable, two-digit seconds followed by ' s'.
7 h 42 min
